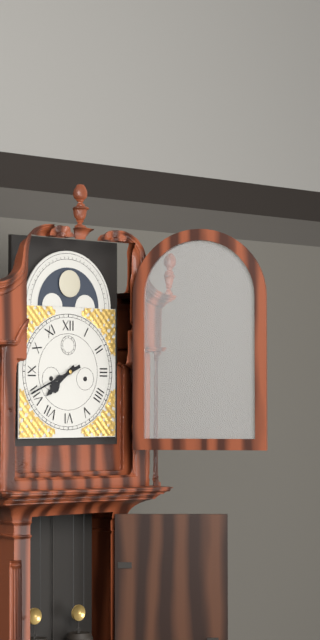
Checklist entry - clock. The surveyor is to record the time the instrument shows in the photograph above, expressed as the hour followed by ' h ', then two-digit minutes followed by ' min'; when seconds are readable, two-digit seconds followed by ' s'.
7 h 41 min
